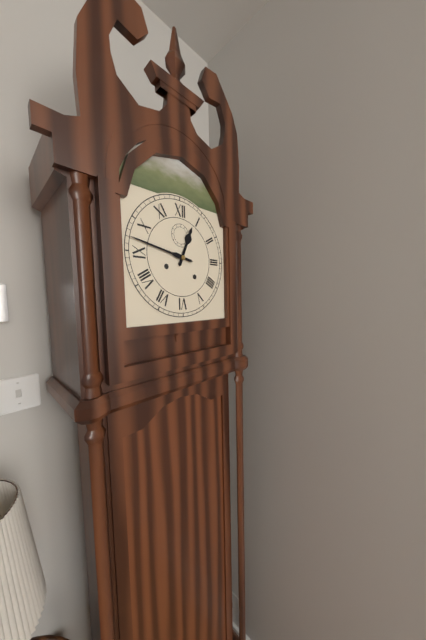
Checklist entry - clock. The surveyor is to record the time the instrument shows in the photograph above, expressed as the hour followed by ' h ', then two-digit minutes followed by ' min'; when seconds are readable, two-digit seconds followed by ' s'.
12 h 47 min
